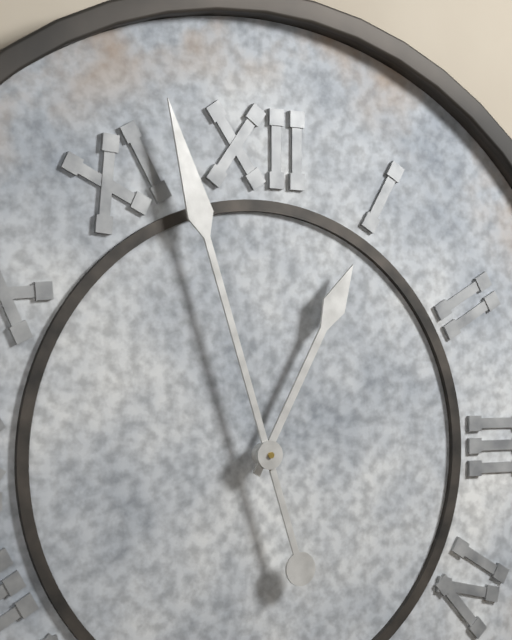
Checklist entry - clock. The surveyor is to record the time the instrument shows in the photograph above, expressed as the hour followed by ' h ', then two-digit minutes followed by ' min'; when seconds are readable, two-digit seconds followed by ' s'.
12 h 57 min
